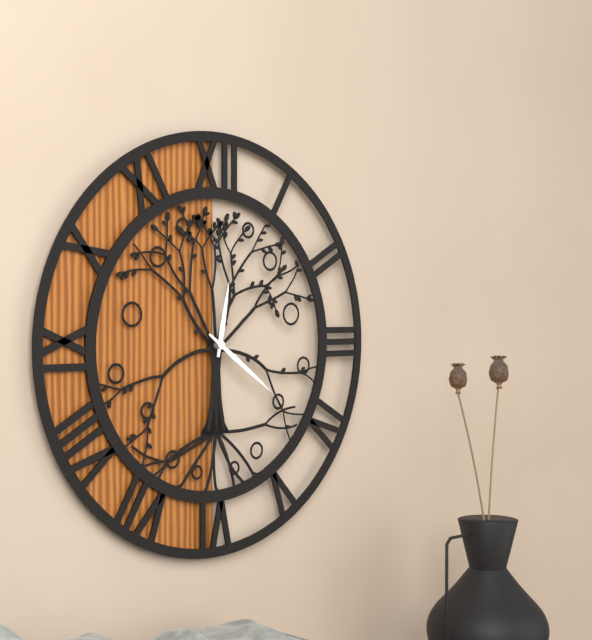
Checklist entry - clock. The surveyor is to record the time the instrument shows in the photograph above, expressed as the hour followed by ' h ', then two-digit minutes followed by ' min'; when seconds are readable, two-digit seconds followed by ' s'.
12 h 21 min
